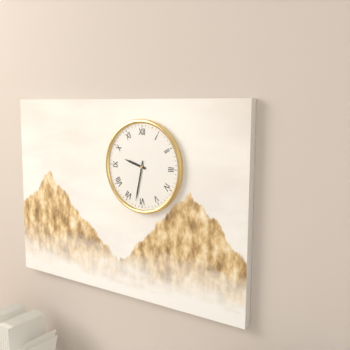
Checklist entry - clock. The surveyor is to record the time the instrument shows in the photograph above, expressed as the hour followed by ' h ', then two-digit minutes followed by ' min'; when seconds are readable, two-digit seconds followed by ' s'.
9 h 32 min
